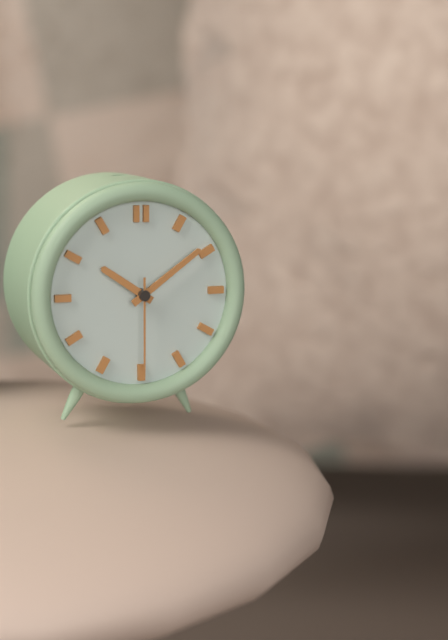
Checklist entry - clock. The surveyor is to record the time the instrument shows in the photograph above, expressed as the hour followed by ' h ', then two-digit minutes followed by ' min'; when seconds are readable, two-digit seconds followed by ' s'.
10 h 09 min 30 s
